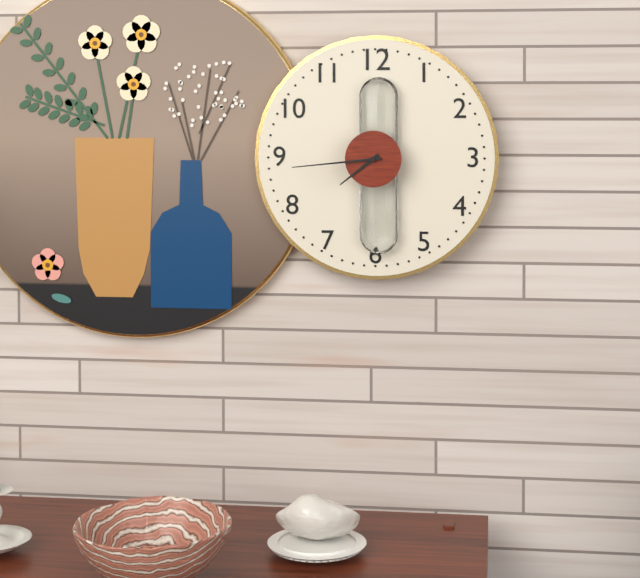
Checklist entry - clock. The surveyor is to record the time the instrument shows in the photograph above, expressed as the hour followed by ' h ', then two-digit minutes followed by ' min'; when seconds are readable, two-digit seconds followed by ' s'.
7 h 44 min
